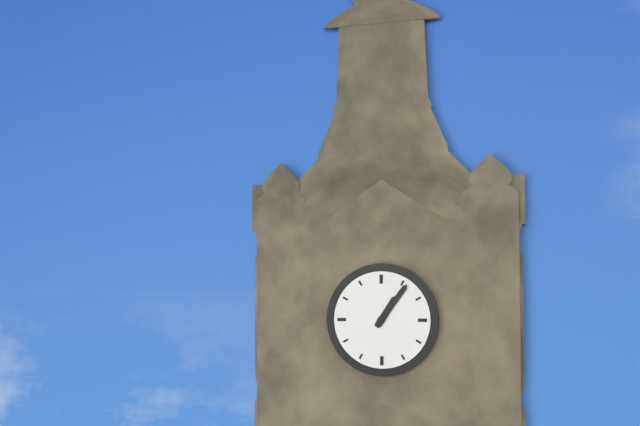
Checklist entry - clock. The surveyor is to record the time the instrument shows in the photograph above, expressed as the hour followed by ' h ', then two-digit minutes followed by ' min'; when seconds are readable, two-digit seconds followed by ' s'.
1 h 06 min
